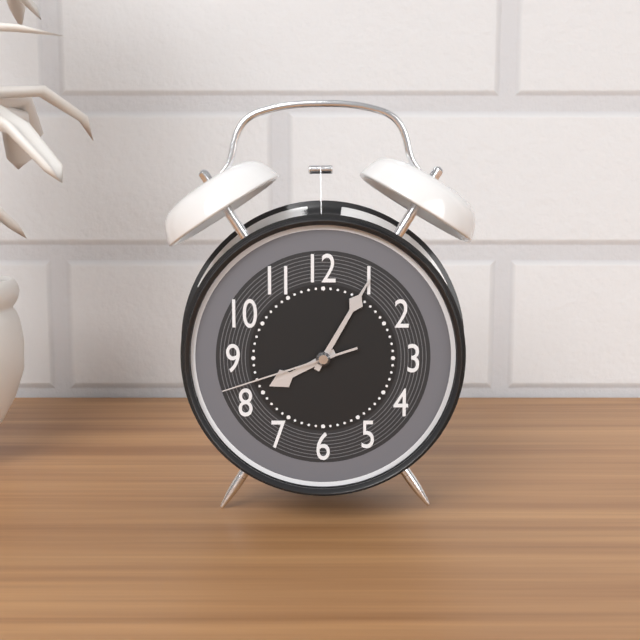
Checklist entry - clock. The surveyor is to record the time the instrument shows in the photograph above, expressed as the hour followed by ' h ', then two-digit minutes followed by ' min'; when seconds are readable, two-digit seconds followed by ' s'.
8 h 05 min 42 s
